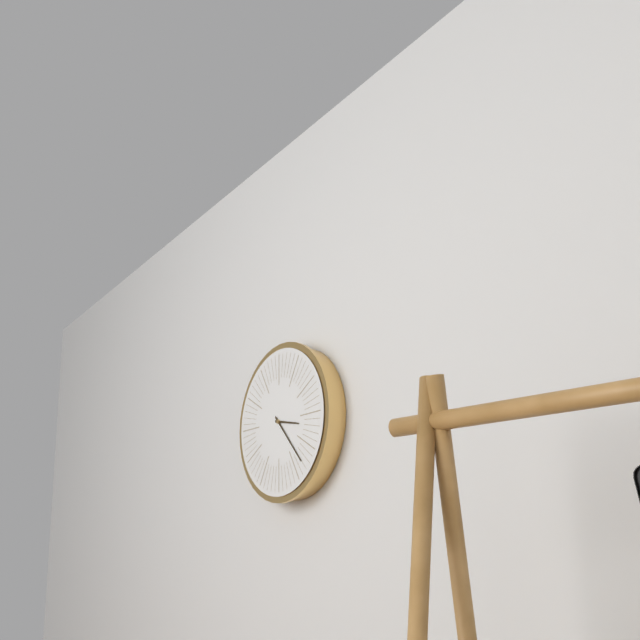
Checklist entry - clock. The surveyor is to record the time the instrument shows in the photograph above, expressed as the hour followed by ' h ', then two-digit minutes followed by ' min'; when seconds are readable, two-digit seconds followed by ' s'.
3 h 23 min
